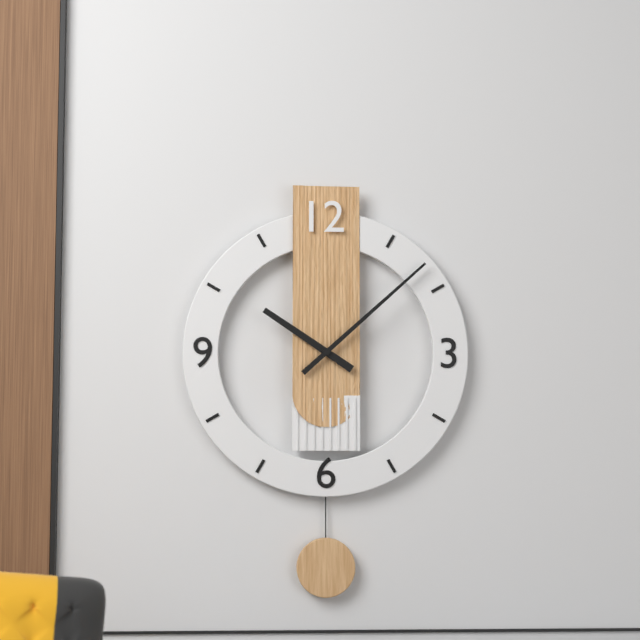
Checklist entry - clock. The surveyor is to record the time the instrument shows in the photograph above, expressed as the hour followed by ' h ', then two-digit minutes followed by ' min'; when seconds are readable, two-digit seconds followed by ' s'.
10 h 08 min
